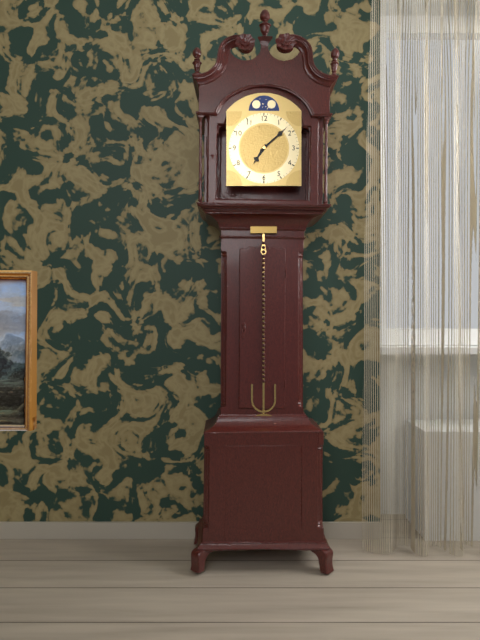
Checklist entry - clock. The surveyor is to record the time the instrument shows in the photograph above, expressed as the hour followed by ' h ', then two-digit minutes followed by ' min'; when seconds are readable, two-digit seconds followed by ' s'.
7 h 08 min
